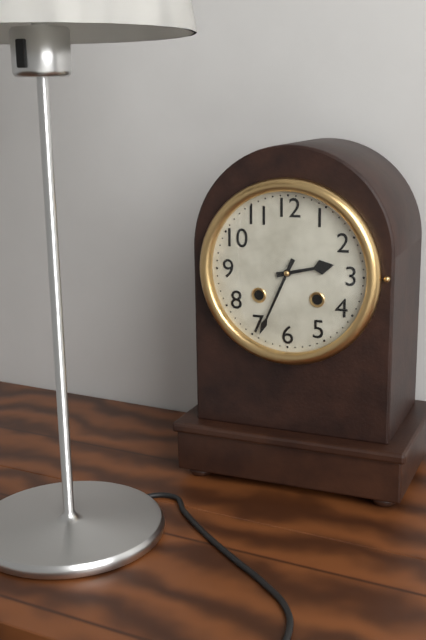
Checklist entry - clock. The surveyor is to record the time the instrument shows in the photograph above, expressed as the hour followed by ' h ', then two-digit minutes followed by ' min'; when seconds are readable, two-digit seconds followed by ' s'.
2 h 34 min
